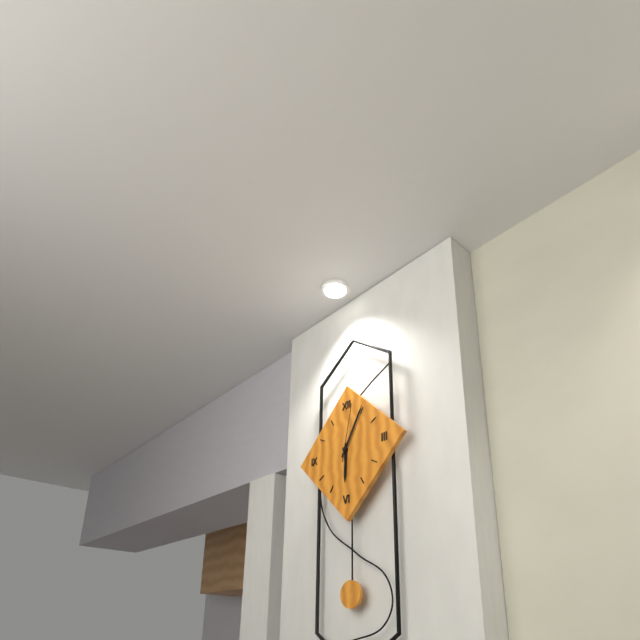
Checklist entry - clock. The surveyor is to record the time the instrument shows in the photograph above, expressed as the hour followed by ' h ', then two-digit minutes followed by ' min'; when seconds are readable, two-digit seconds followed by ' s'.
6 h 05 min 02 s
